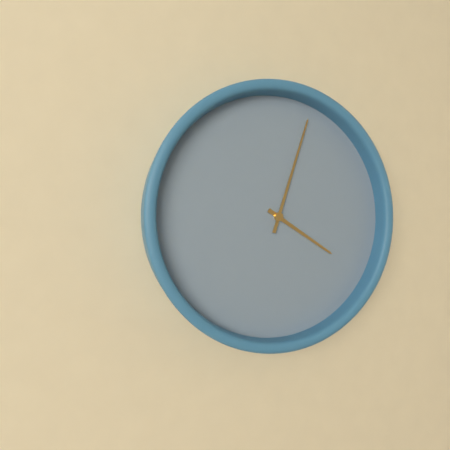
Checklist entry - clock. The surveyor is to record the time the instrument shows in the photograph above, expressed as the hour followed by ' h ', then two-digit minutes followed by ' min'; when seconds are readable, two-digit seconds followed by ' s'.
4 h 03 min
